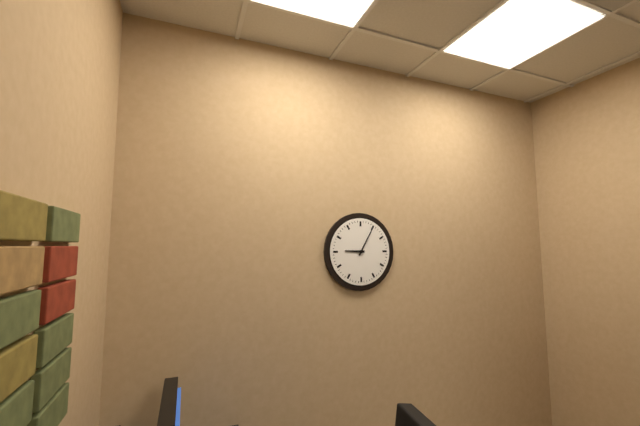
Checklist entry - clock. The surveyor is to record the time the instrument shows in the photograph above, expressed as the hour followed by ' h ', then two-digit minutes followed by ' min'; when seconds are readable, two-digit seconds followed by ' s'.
9 h 05 min
